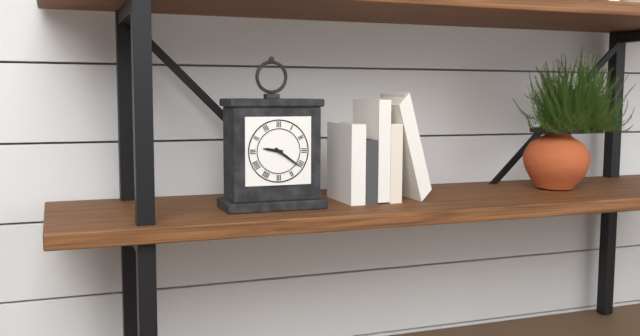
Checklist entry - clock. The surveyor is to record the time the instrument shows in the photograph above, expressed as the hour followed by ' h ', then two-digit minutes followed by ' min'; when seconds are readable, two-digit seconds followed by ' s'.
9 h 21 min
